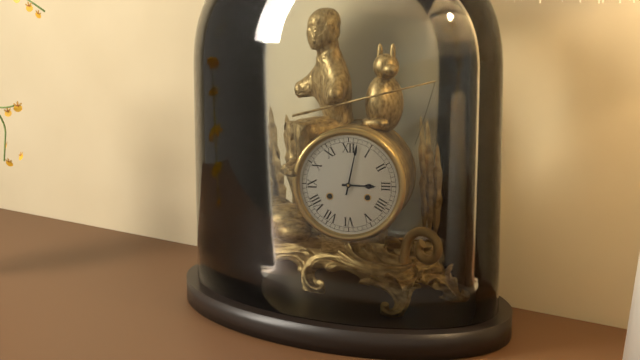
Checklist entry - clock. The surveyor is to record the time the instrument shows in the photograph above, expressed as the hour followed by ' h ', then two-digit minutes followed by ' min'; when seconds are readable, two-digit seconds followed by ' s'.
3 h 02 min
